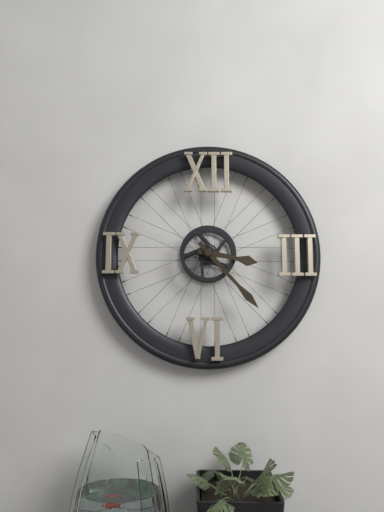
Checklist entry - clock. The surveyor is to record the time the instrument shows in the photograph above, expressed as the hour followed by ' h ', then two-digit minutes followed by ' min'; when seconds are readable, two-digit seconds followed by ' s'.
3 h 23 min
